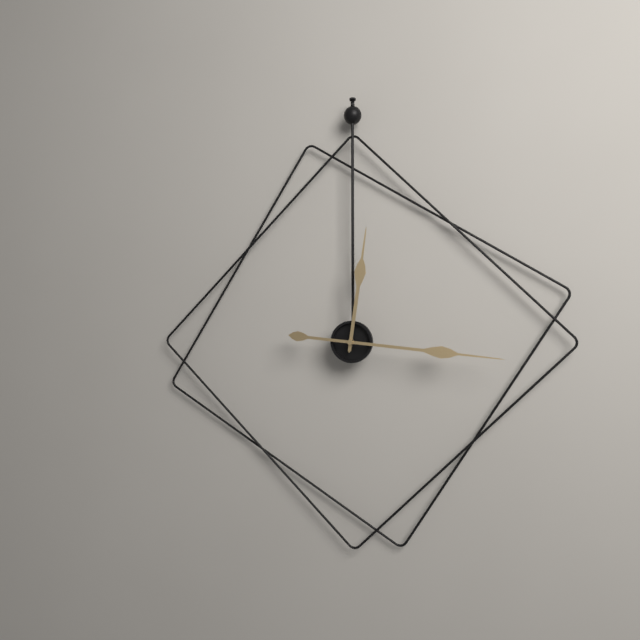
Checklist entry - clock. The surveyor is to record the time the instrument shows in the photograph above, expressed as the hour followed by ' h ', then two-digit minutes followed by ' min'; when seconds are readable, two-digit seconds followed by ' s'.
12 h 16 min
